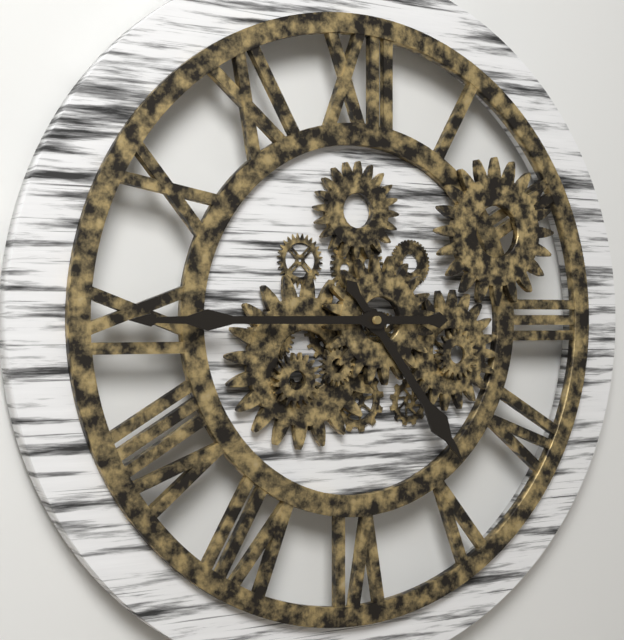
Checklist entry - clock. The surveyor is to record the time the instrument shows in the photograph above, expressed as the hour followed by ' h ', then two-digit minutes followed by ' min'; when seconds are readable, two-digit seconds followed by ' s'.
4 h 45 min
